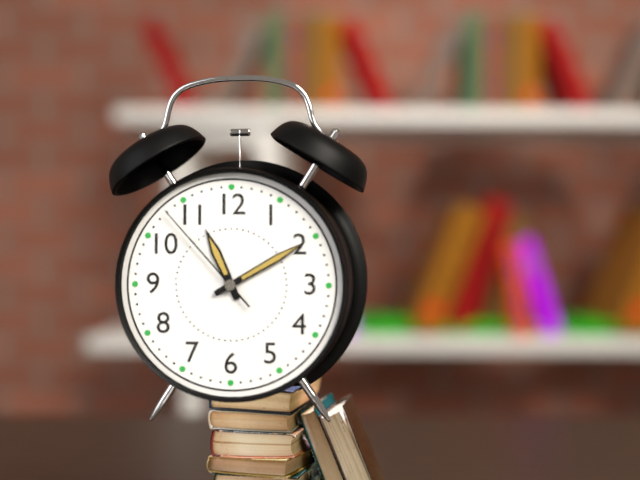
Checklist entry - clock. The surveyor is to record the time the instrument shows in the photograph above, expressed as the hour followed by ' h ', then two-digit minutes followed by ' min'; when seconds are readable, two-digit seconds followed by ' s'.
11 h 10 min 53 s
